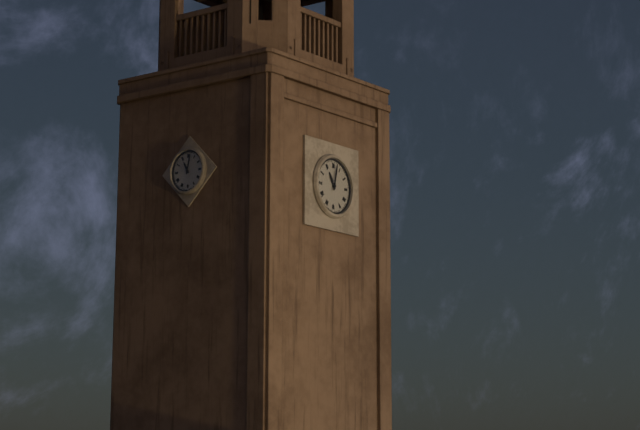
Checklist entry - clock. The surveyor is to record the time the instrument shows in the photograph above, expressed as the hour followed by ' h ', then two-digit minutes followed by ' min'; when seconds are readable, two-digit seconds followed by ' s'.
11 h 02 min
